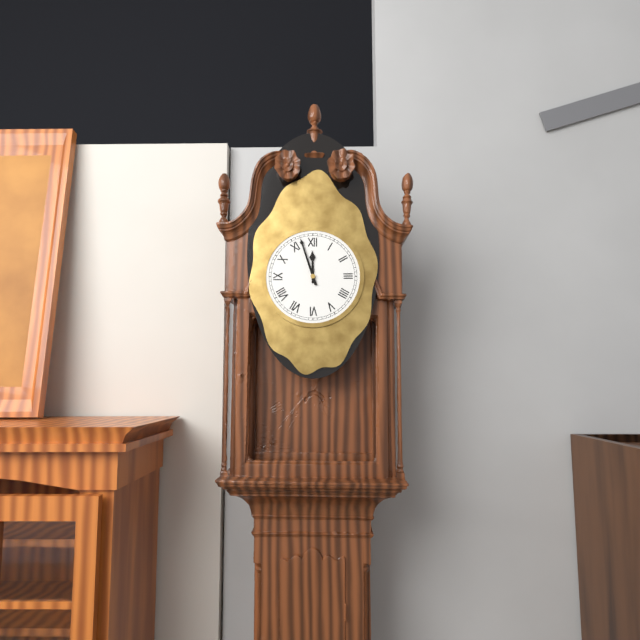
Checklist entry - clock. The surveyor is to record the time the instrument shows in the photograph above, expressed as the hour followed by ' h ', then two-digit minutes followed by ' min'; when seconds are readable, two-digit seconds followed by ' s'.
11 h 57 min
